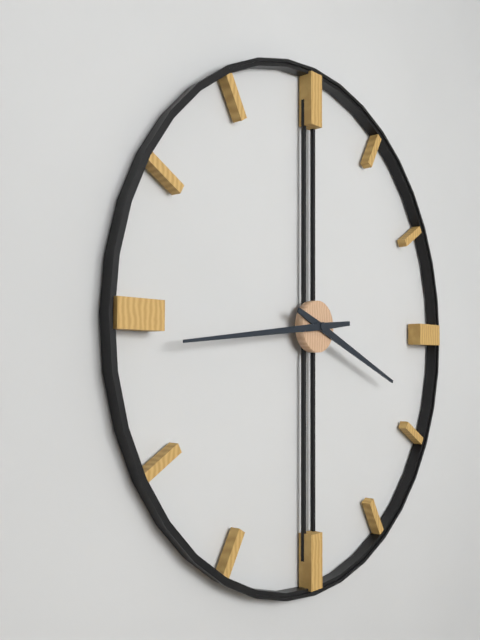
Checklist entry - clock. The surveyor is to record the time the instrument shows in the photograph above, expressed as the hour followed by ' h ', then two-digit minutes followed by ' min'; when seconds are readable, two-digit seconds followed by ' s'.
3 h 44 min
